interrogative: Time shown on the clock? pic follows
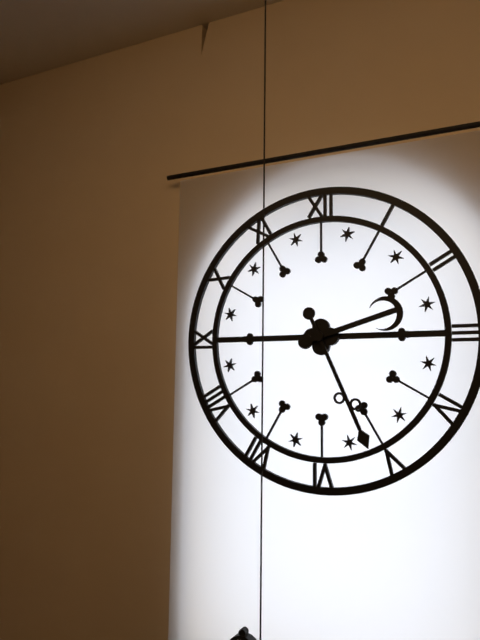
2:26
